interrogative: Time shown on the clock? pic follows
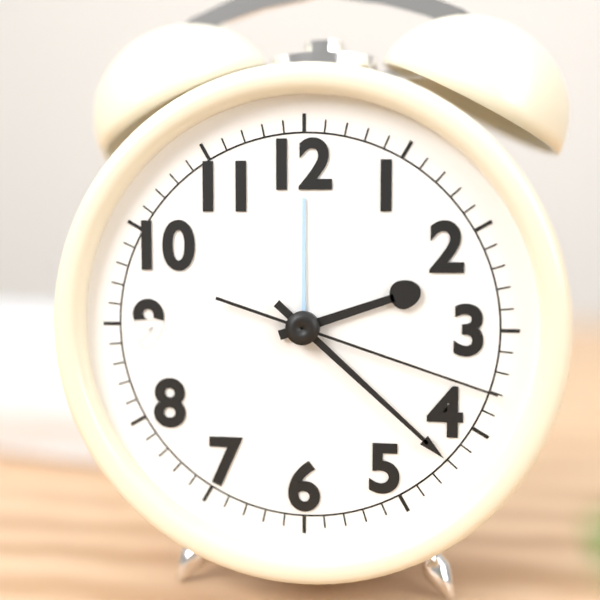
2:22:18
